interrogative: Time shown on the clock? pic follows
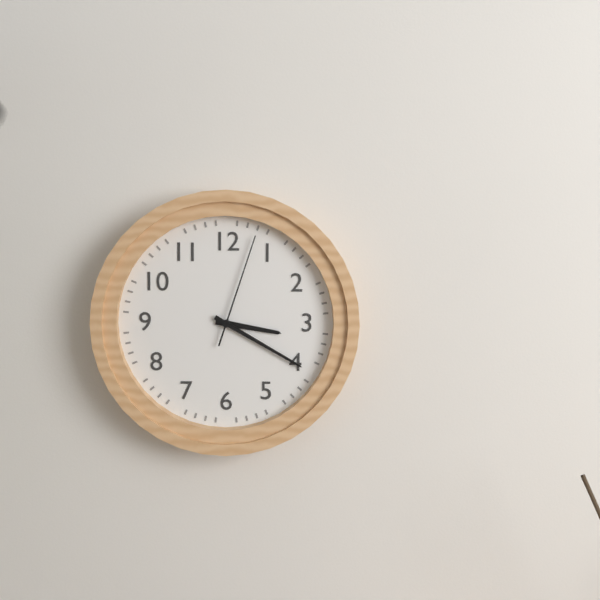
3:20:03
